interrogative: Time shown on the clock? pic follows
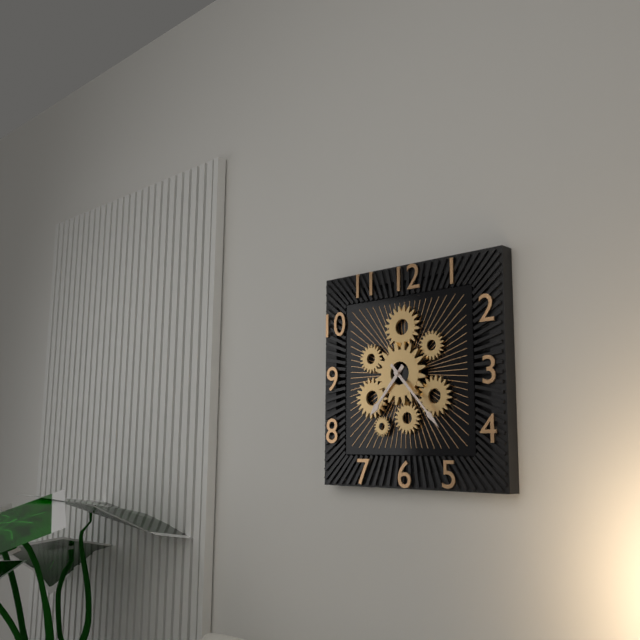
7:23
